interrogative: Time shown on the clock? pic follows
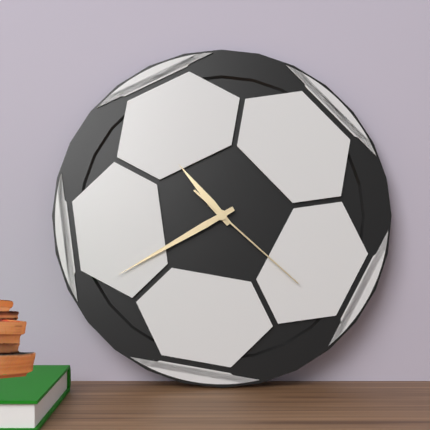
10:40:22
